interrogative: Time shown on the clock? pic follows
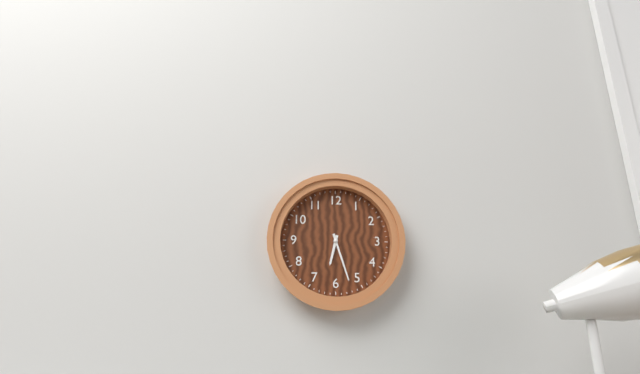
6:27
